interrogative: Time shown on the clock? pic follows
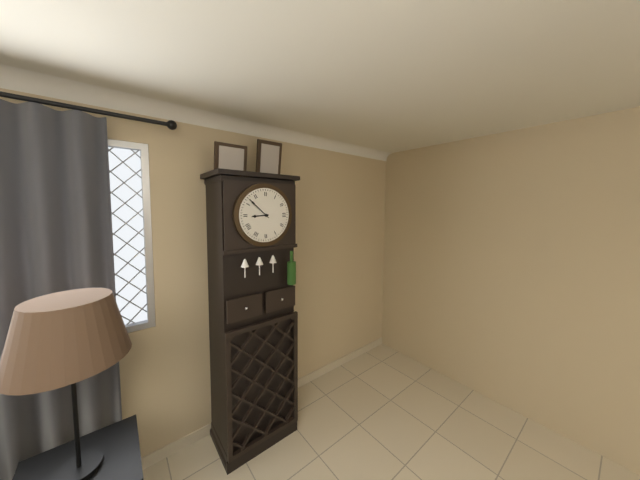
8:52
